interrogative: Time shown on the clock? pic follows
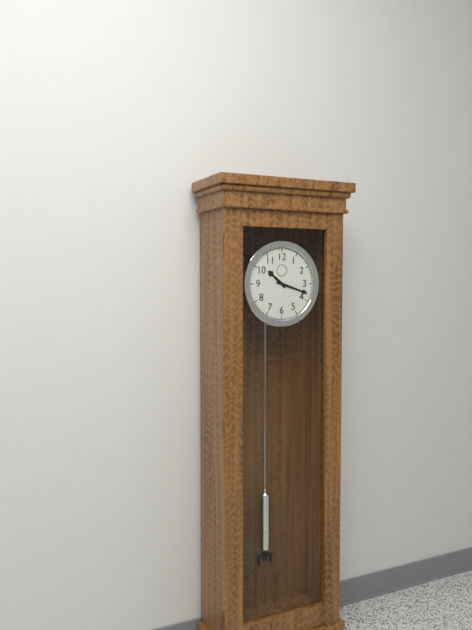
10:18
